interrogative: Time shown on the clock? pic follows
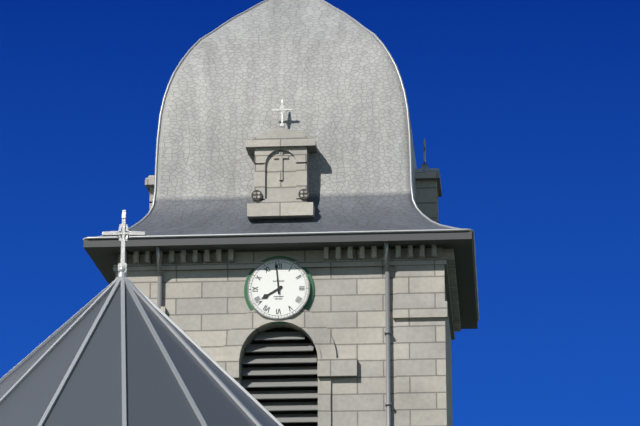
7:59
